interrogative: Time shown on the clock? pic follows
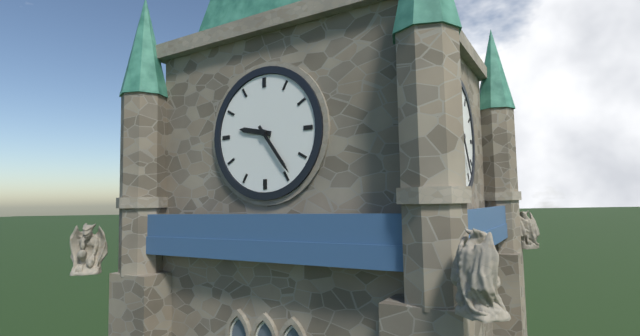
9:24
